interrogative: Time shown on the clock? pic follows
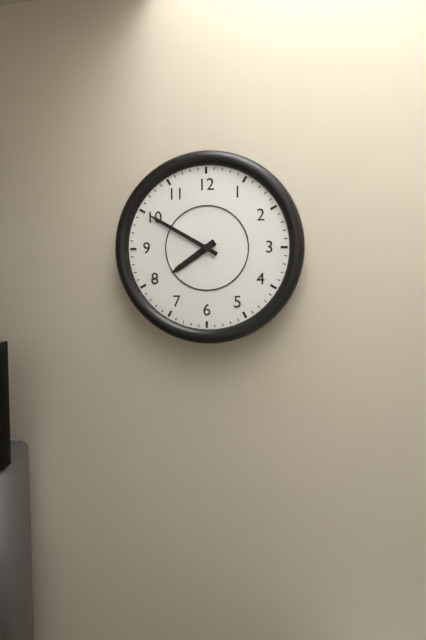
7:50
